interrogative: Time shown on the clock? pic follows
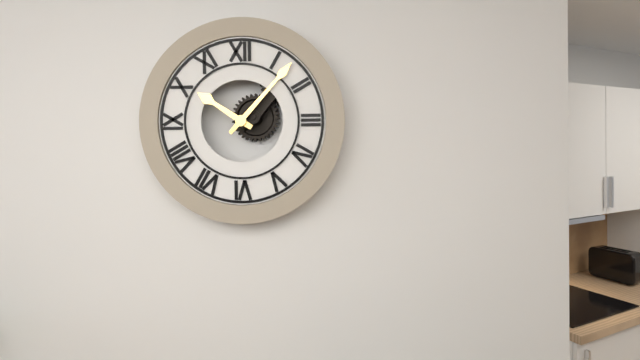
10:07
